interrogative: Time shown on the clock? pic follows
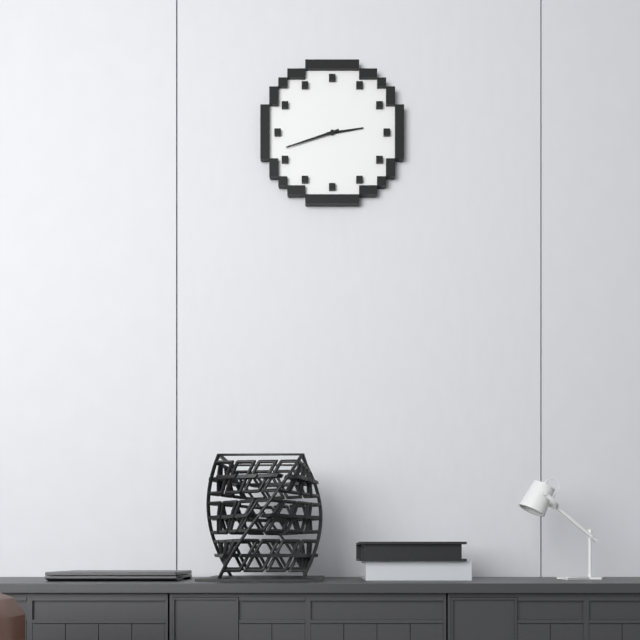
2:42
